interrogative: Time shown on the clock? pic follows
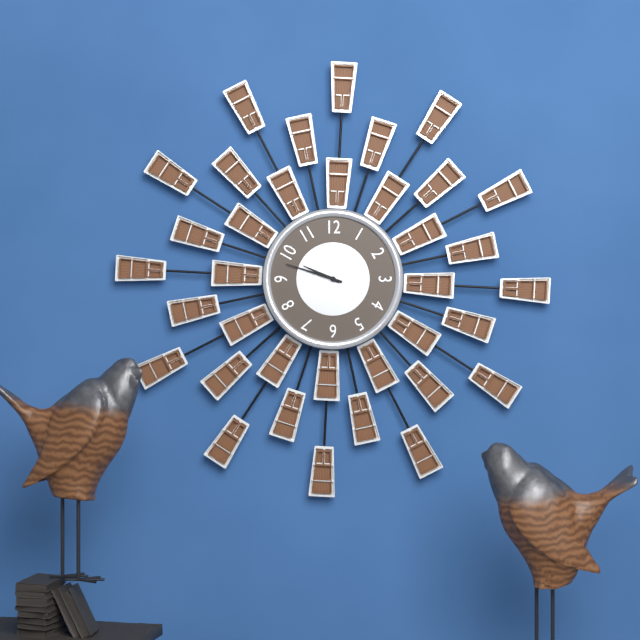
9:48
